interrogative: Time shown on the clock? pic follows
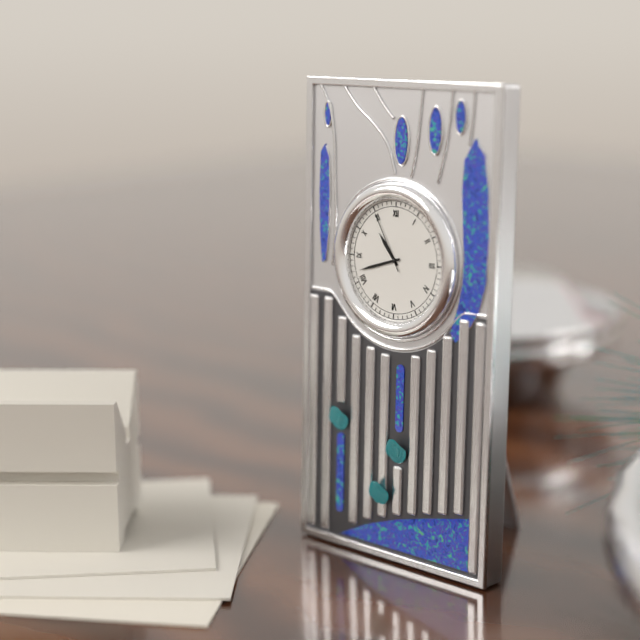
10:42:55
